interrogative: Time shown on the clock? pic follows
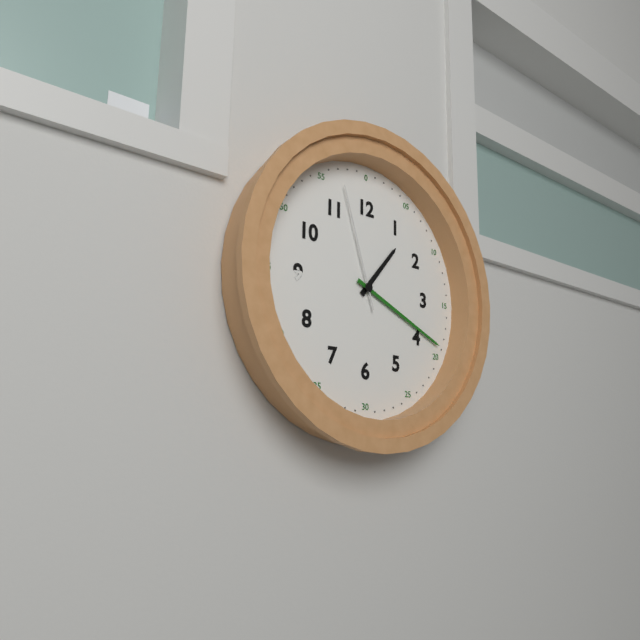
1:19:57
